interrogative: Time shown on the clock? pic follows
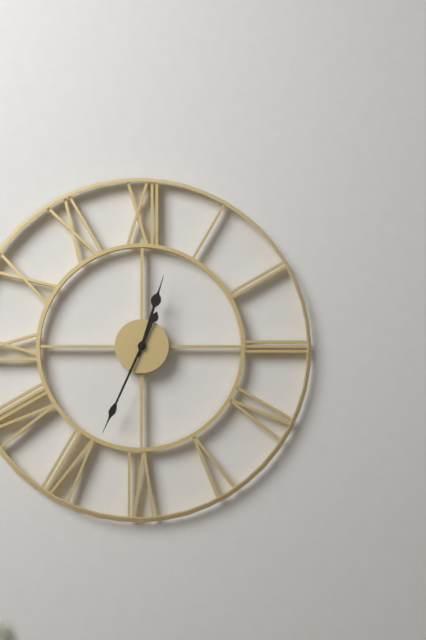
12:34
